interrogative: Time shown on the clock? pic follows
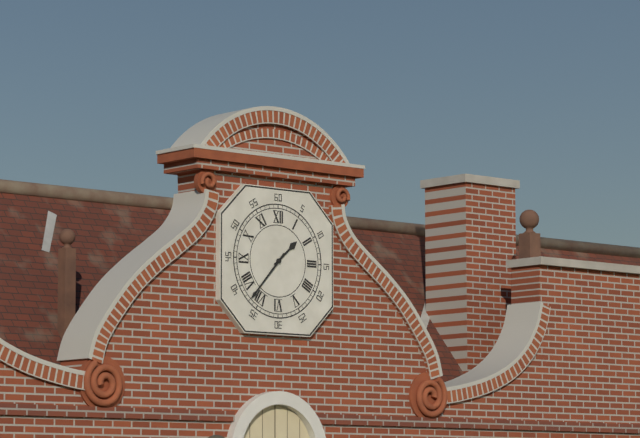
1:37
